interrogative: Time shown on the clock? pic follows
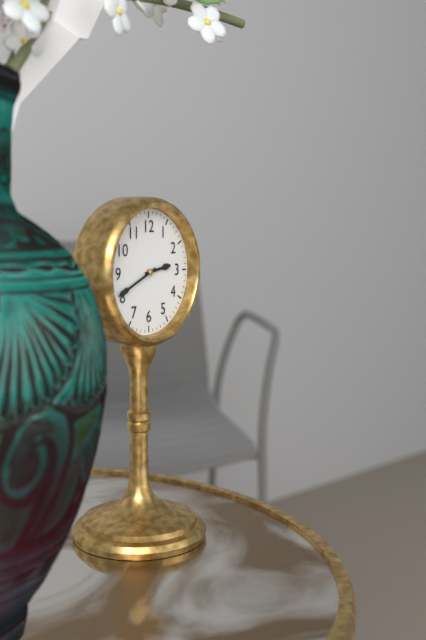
2:41
